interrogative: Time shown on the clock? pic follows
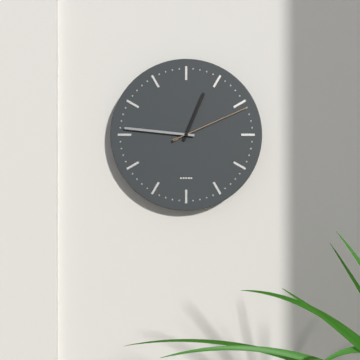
12:46:11
